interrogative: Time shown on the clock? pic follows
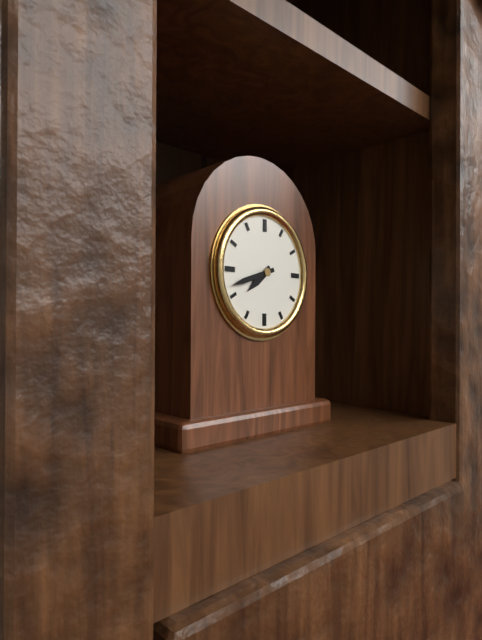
7:42
